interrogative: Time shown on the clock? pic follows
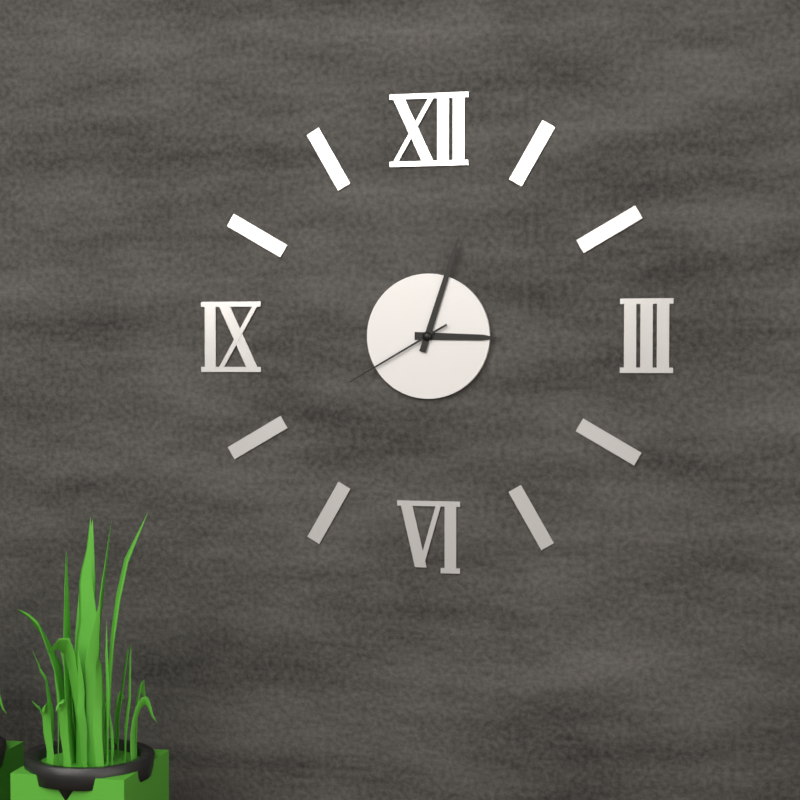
3:03:40
